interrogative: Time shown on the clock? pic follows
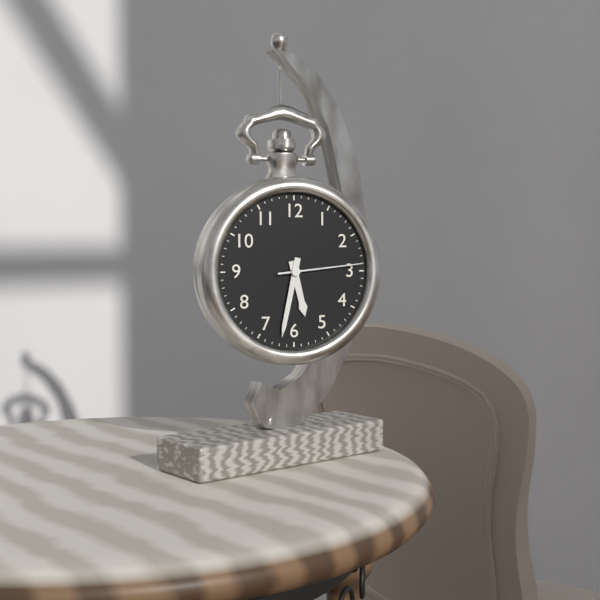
5:32:14
